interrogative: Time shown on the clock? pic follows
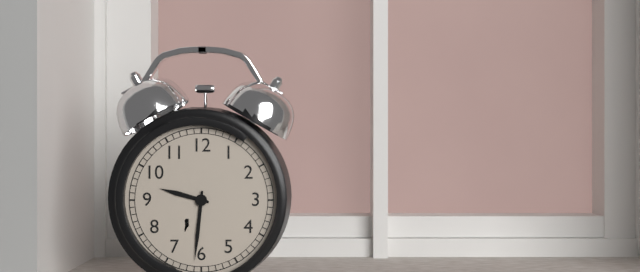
9:31
